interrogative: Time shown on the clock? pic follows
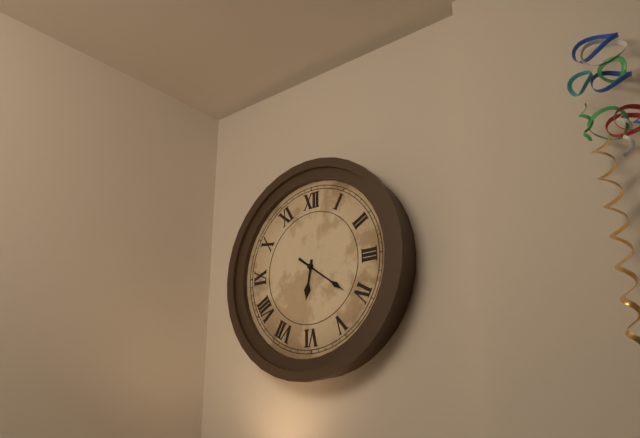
6:21
